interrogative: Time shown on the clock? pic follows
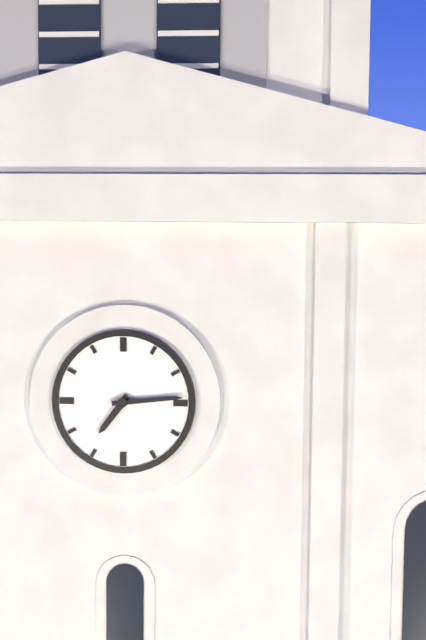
7:14
